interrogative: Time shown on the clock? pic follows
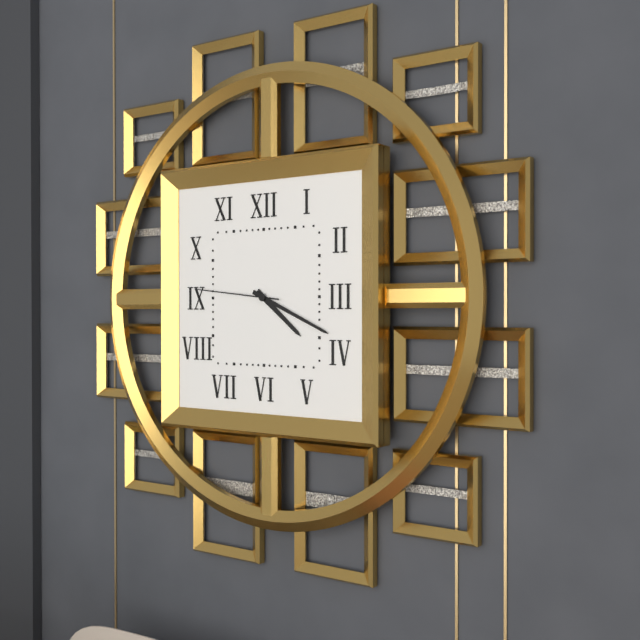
4:19:46
